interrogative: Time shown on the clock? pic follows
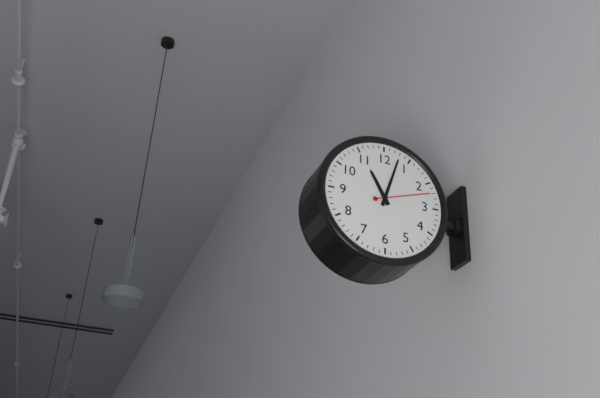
11:03:12
